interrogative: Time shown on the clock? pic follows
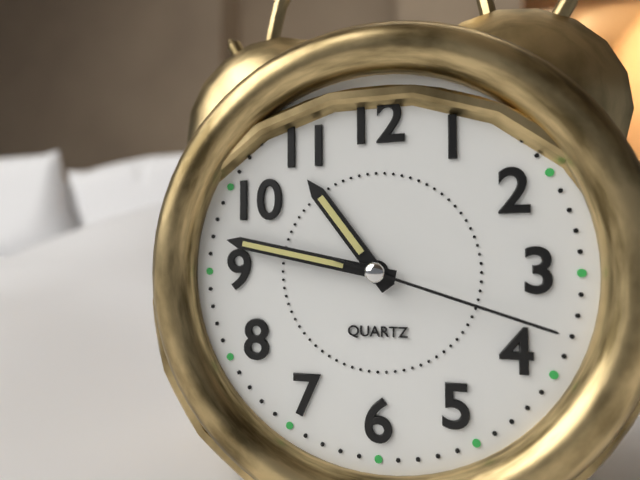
10:47:18
